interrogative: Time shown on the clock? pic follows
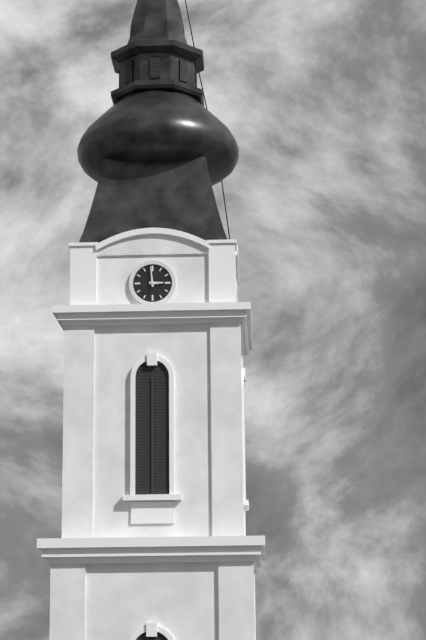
2:59
